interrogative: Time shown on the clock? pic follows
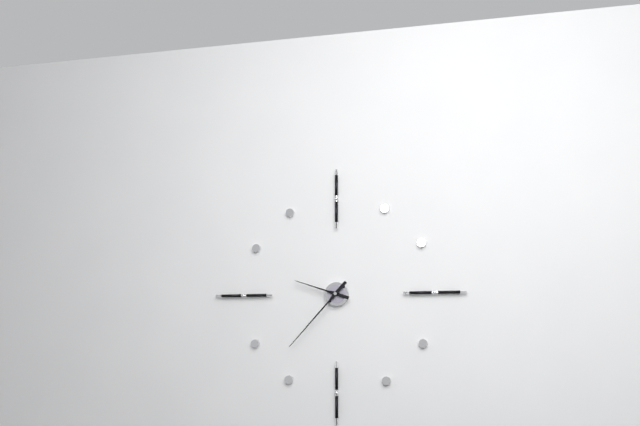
9:37
